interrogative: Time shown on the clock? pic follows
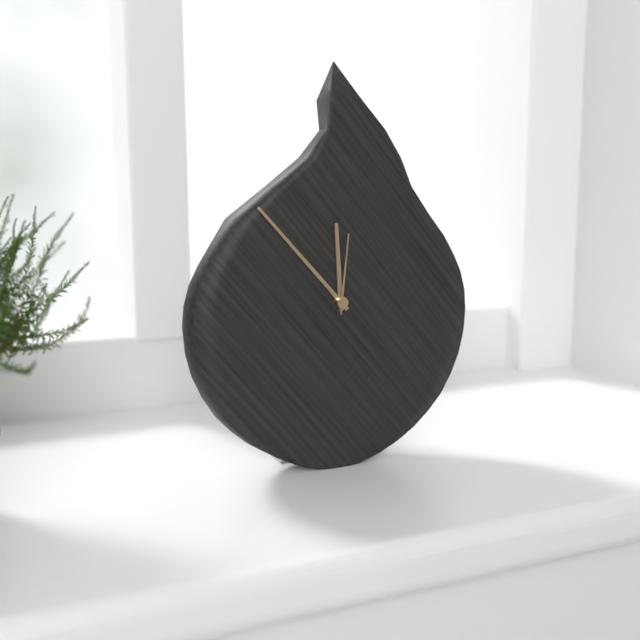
11:53:01
